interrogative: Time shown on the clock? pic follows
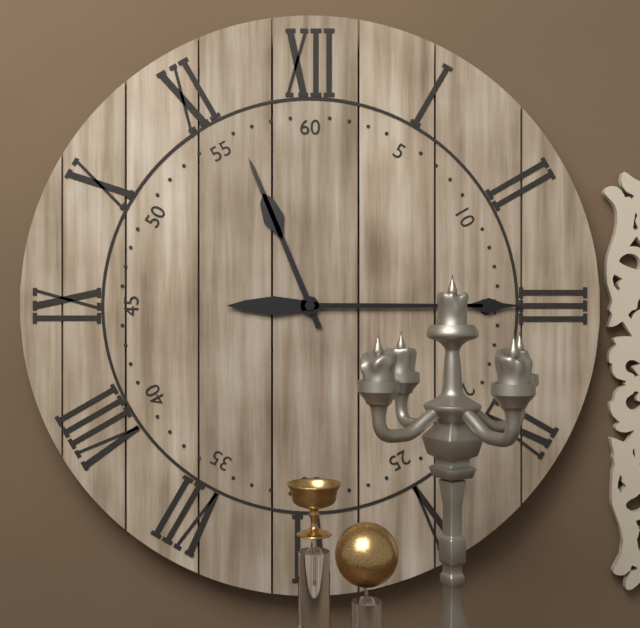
11:15
